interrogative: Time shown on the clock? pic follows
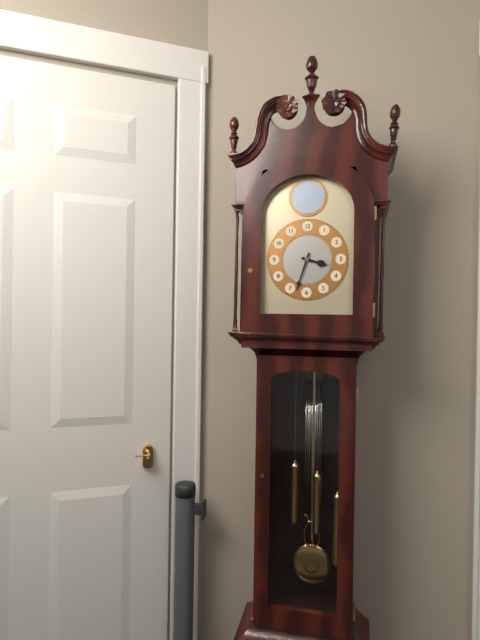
3:33
